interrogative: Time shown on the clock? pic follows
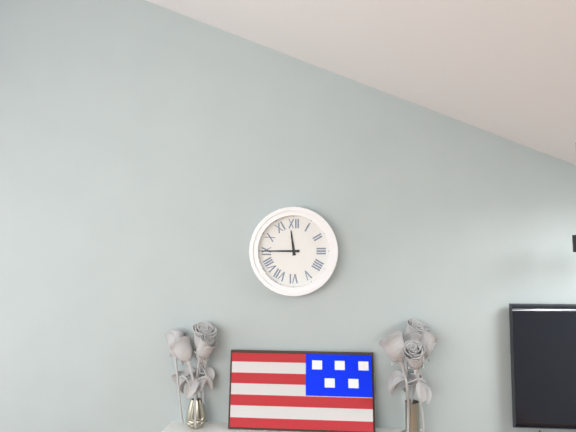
11:45
